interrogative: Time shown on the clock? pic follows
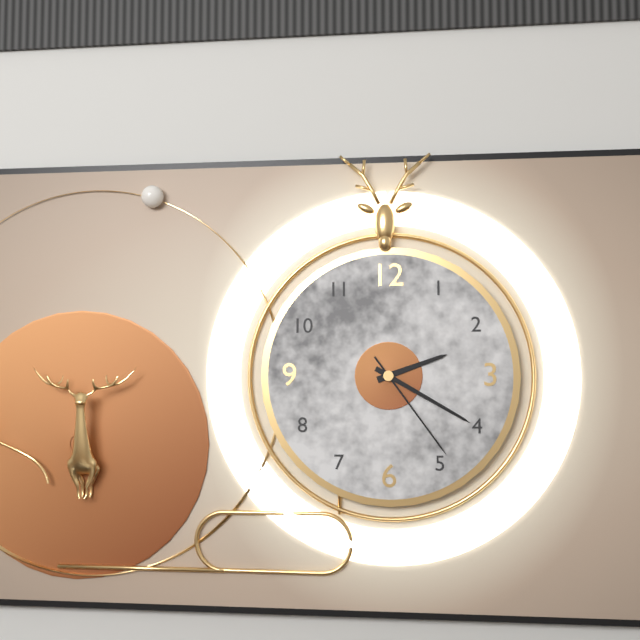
2:20:24
